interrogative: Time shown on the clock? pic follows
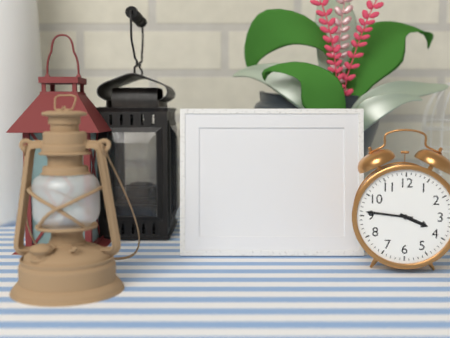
3:46
